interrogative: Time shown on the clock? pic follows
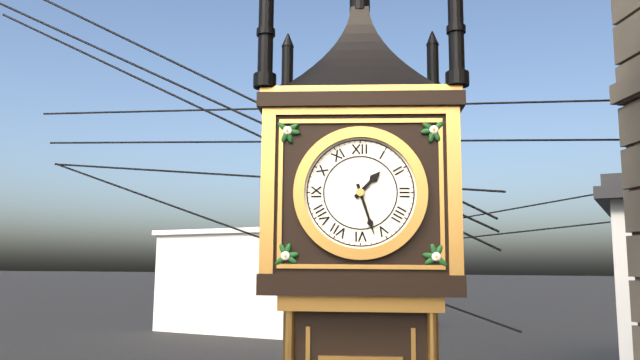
1:27
